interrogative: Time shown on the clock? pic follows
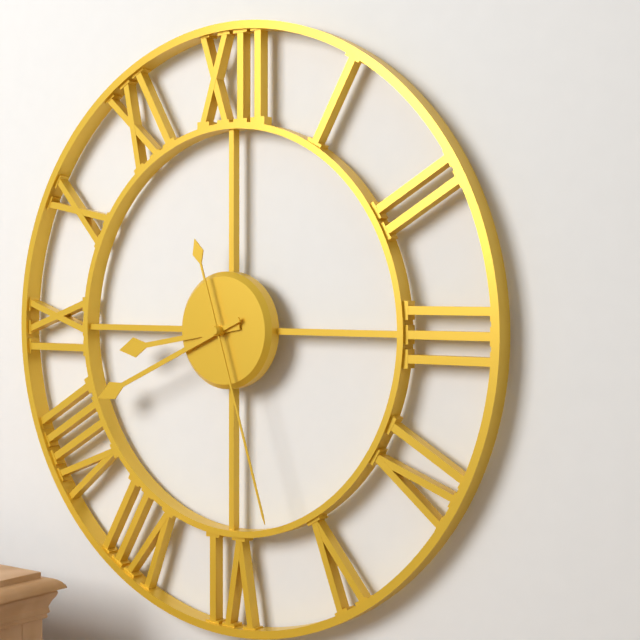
8:41:27
